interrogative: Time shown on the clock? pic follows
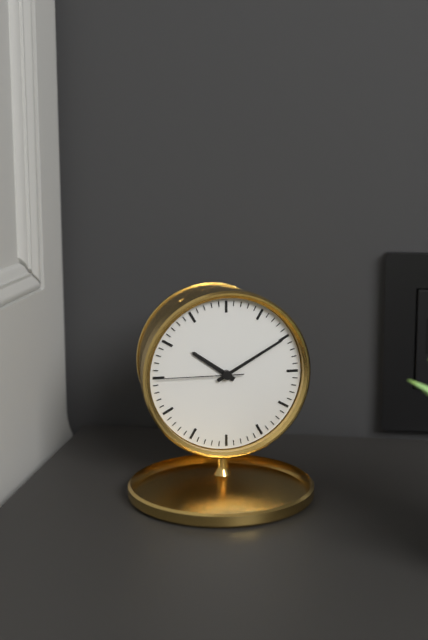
10:10:45
